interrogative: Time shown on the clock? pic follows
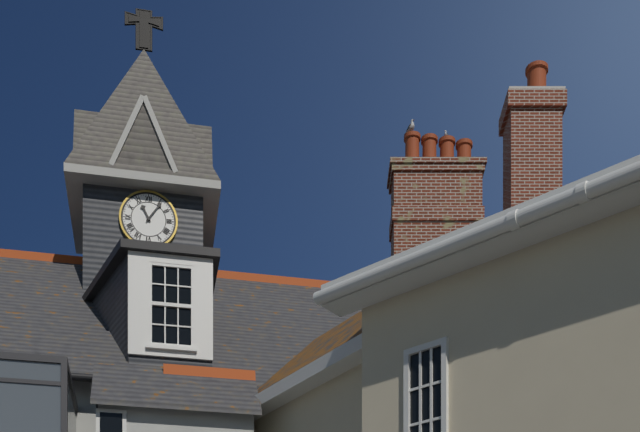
11:06
